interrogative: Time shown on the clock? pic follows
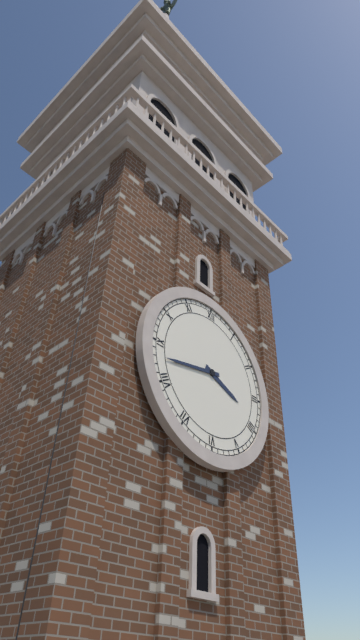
3:43
